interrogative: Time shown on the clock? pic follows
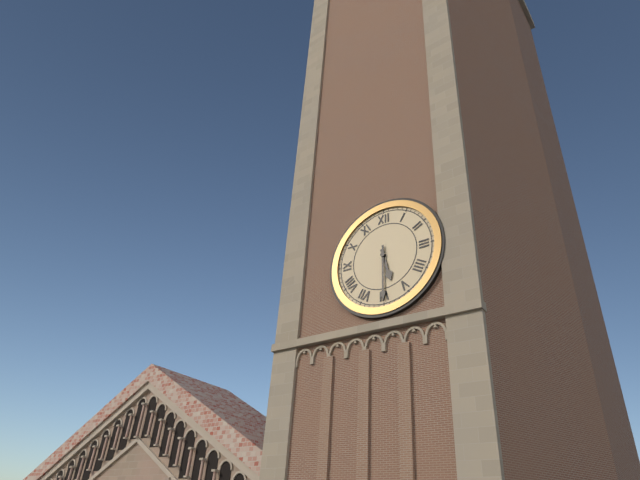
5:30
